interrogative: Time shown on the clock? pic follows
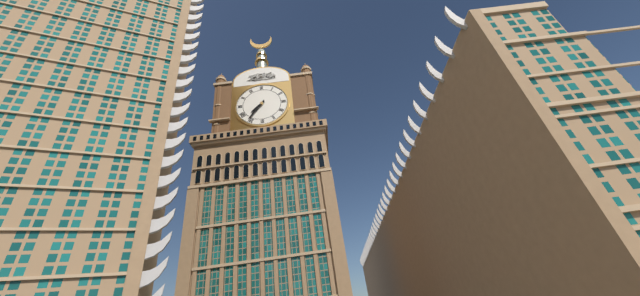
7:36
